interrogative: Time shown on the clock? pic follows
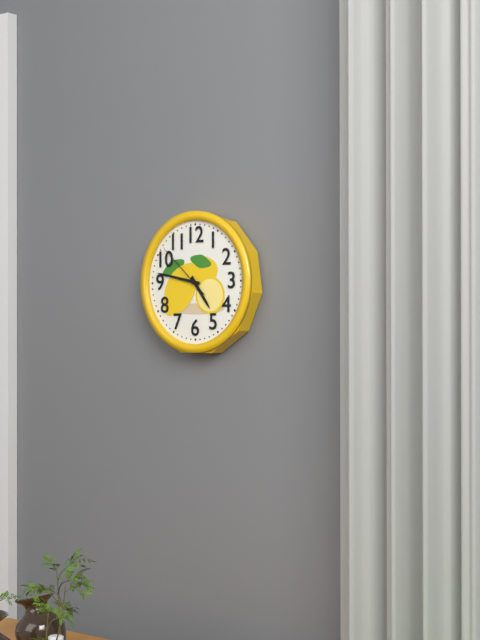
4:47:52
